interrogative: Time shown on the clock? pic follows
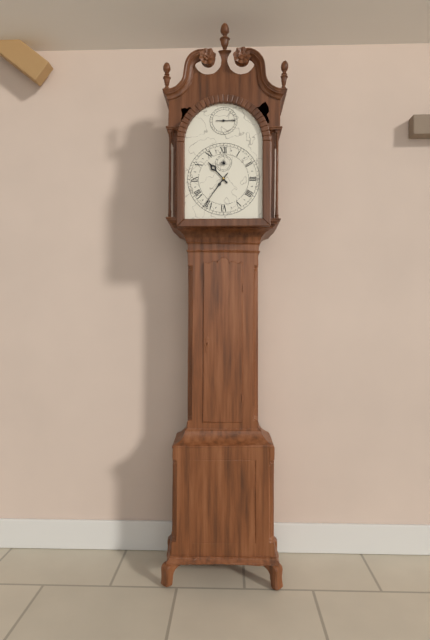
10:36
